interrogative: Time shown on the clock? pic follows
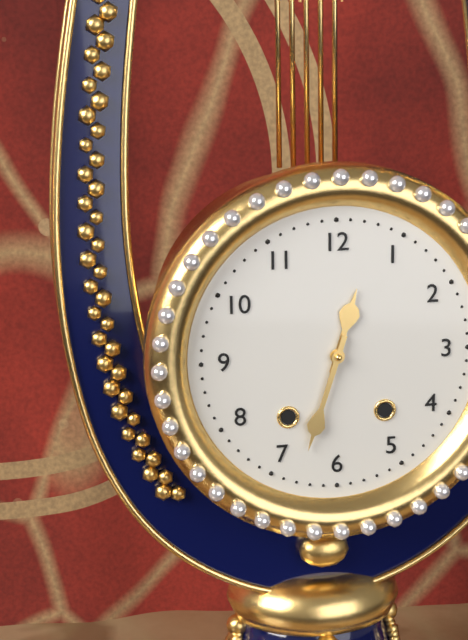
12:33
